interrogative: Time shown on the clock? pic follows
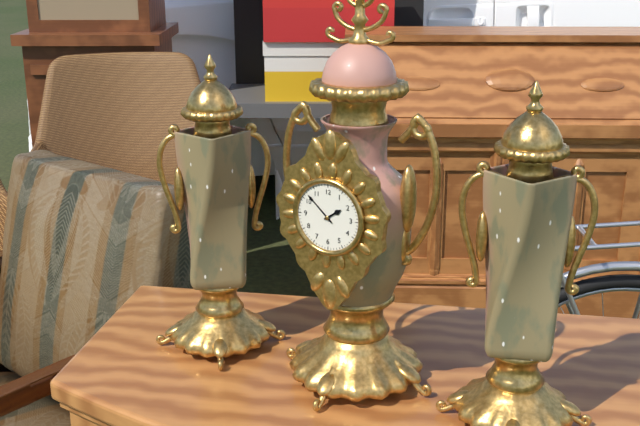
1:52
